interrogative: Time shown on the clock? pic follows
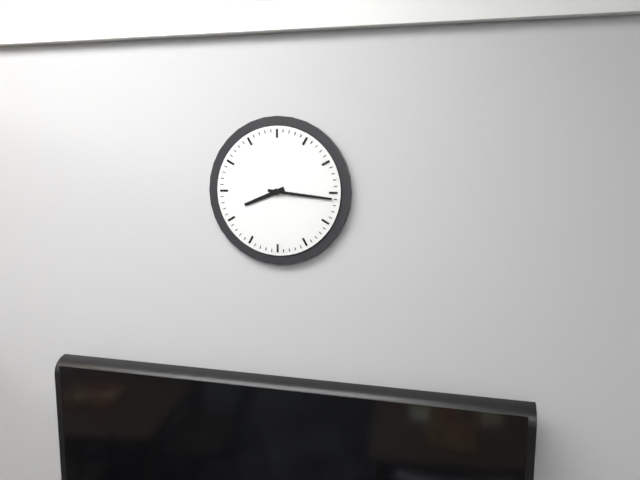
8:16
